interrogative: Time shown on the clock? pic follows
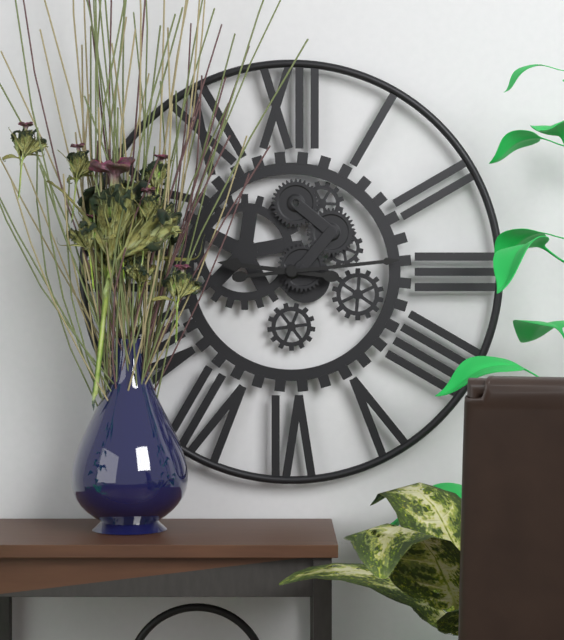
9:14
